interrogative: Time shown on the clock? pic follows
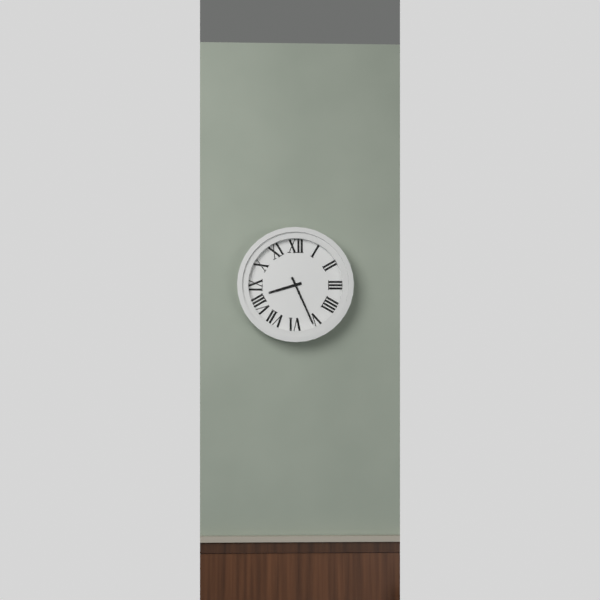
8:26
